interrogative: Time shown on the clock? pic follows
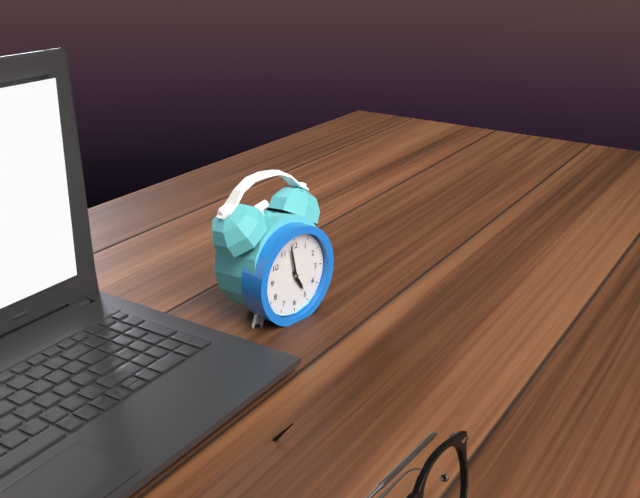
4:58
